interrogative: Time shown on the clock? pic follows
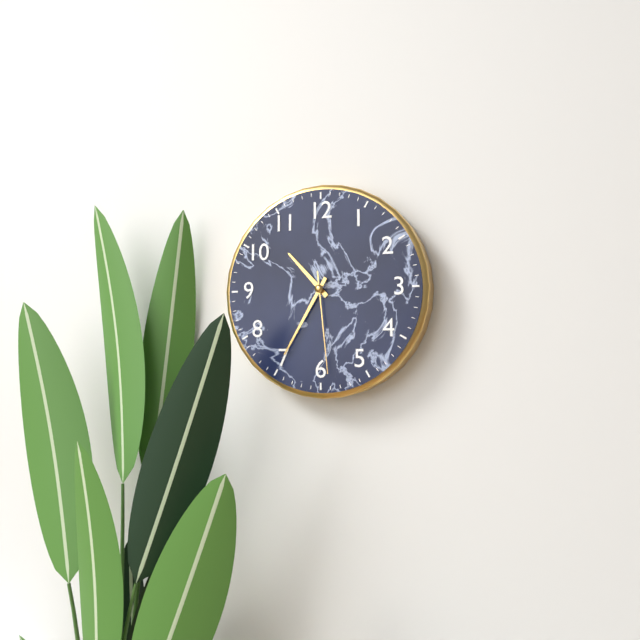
10:35:29
